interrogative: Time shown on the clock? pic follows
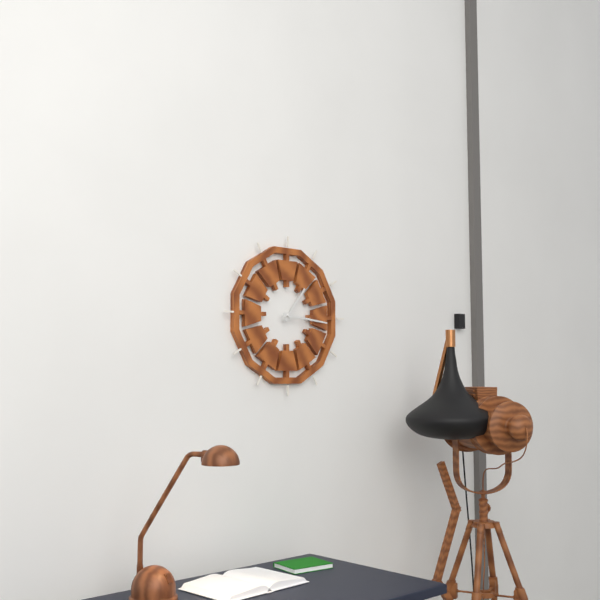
1:16
